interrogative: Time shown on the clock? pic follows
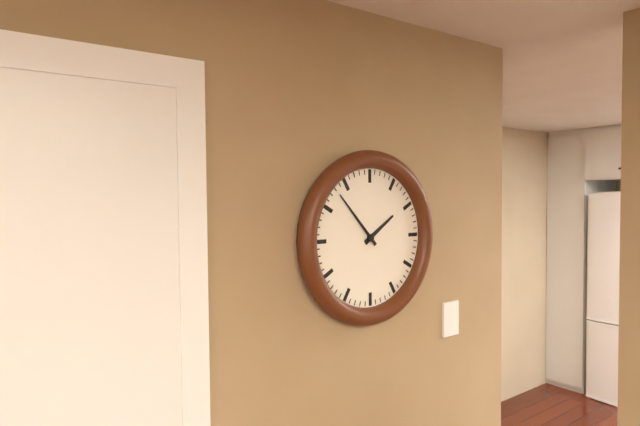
1:53
